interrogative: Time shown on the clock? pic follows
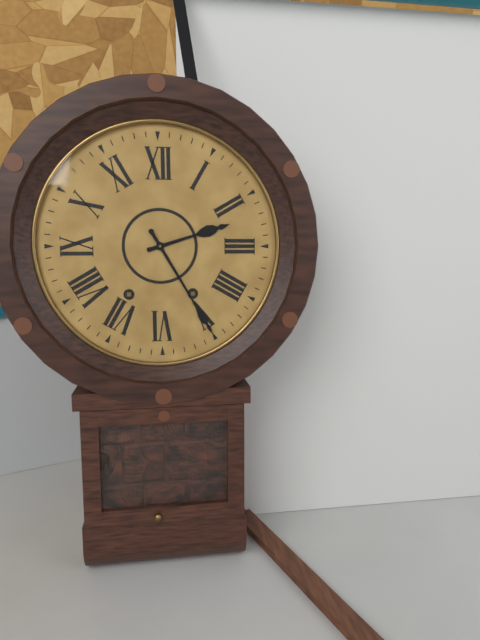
2:25
